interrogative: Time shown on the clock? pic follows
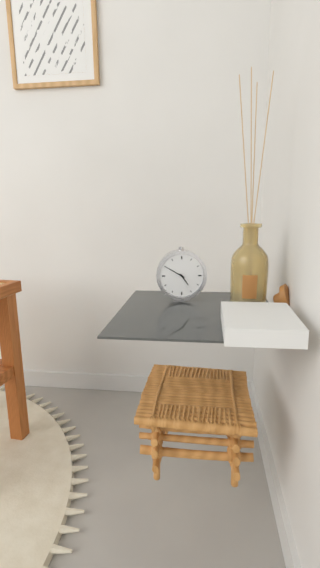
4:50
